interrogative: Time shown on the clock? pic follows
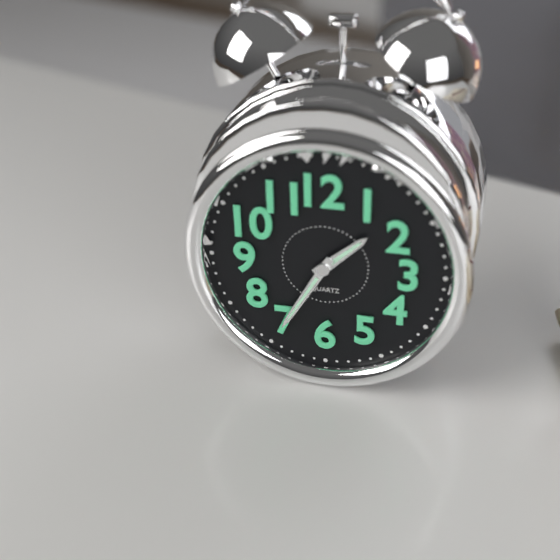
1:35
